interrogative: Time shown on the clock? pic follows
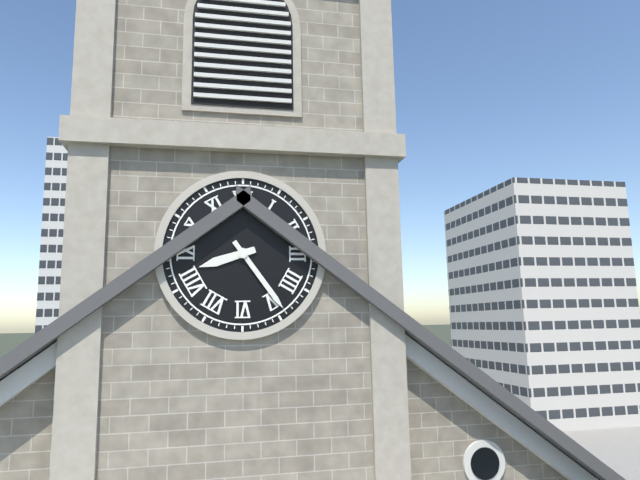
8:24
